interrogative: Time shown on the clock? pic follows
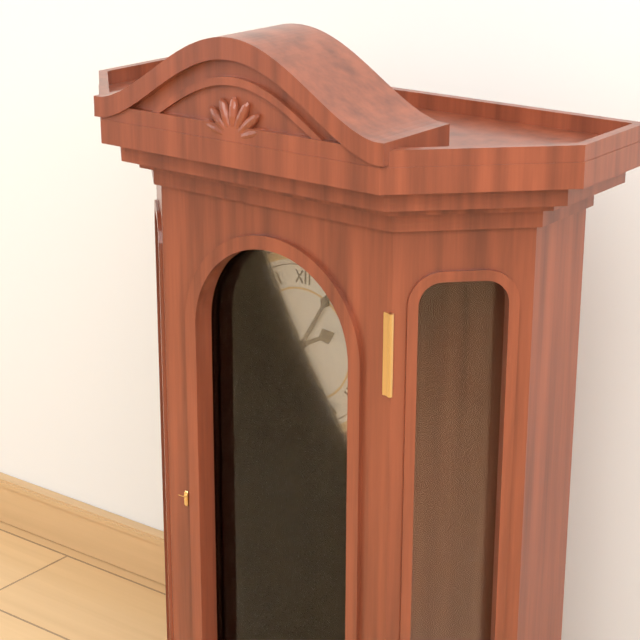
2:05
